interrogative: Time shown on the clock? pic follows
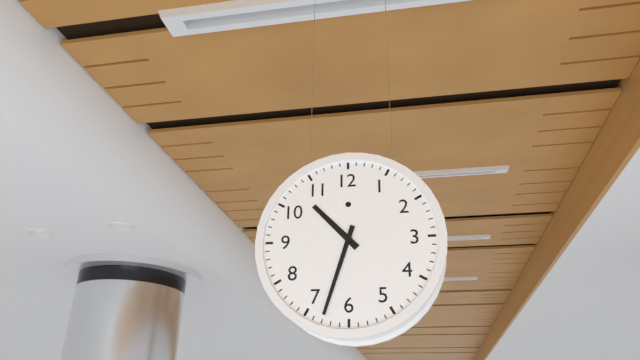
10:33
